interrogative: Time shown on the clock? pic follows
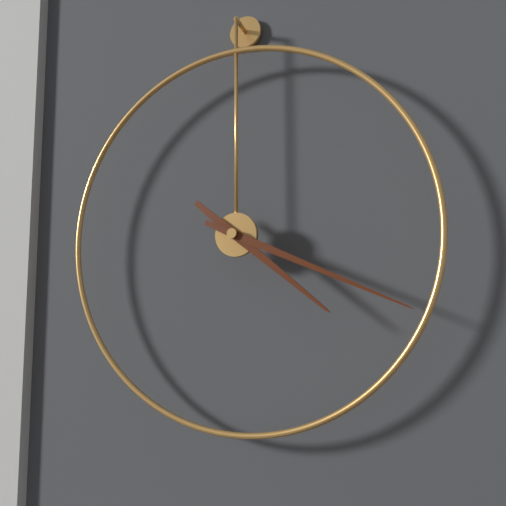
4:19
